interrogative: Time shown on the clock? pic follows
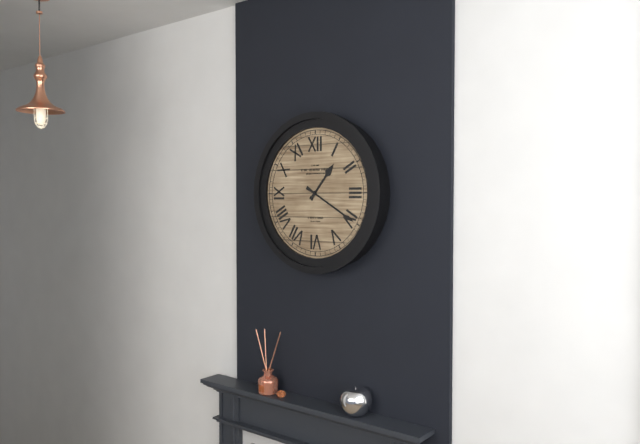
1:20
